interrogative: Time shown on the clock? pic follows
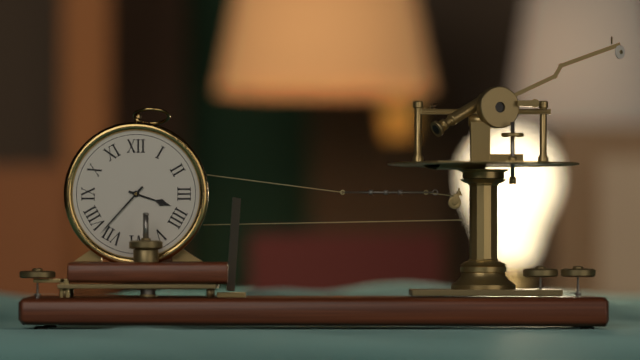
3:37
